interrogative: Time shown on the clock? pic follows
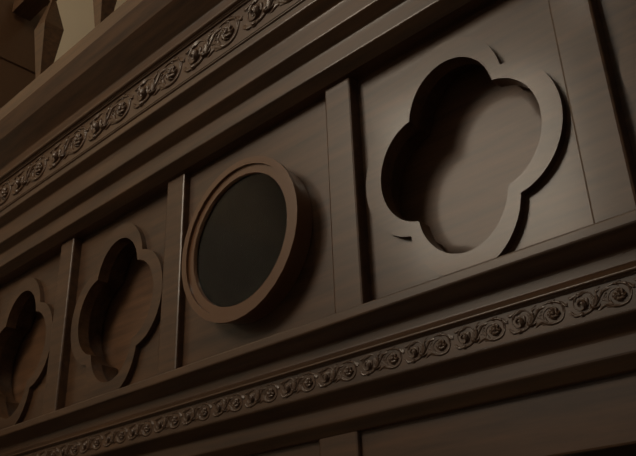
1:02
